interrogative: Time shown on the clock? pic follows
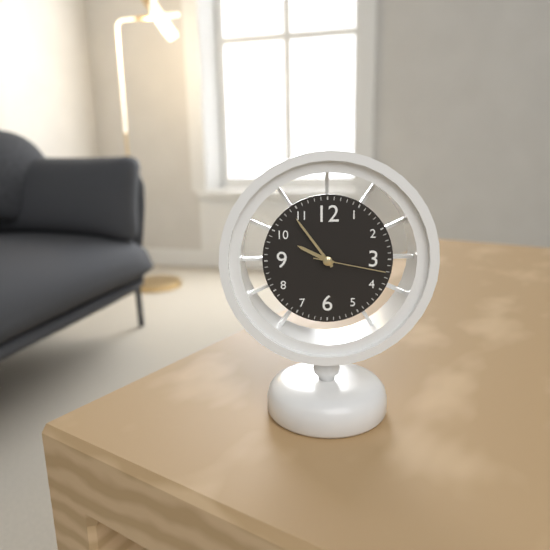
9:54:17
